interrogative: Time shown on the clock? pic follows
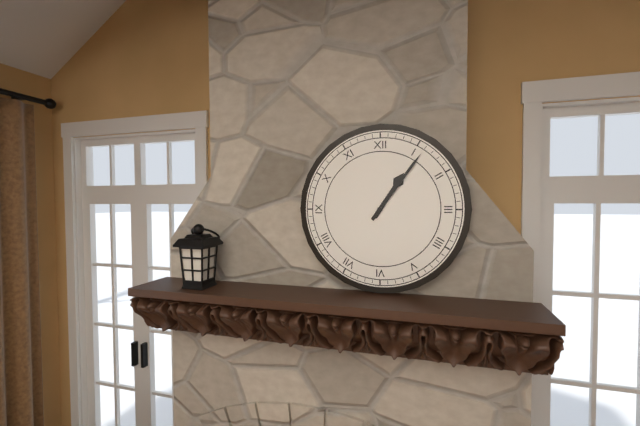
1:06
